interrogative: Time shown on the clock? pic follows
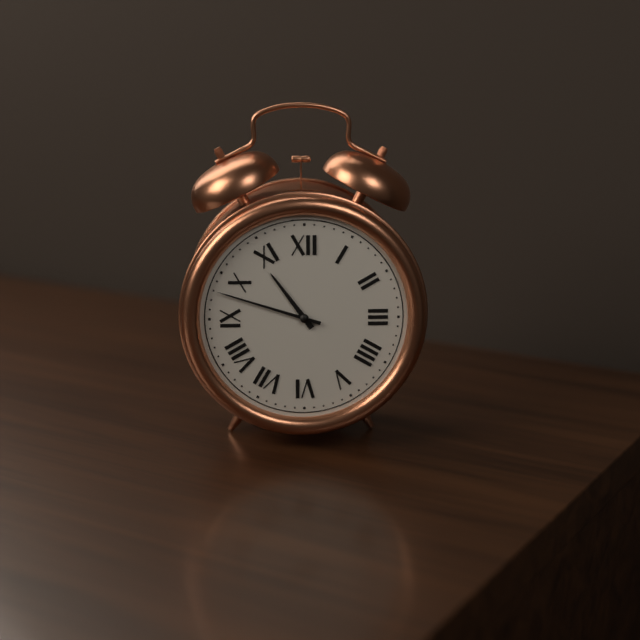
10:48
